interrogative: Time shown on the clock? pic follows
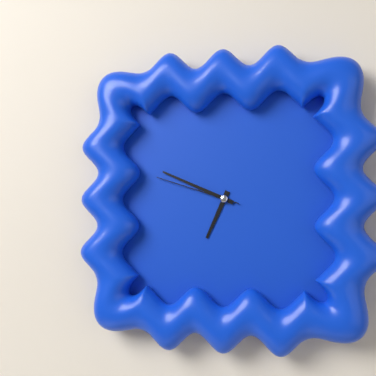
6:49:48
